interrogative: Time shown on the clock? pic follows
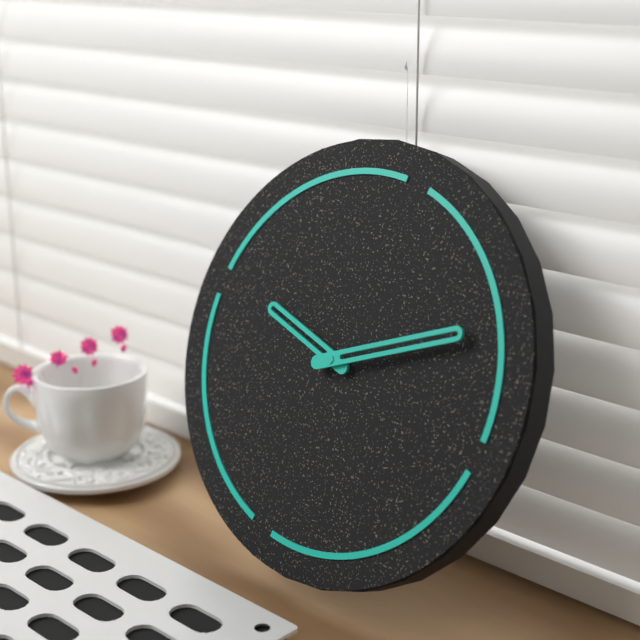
9:09
